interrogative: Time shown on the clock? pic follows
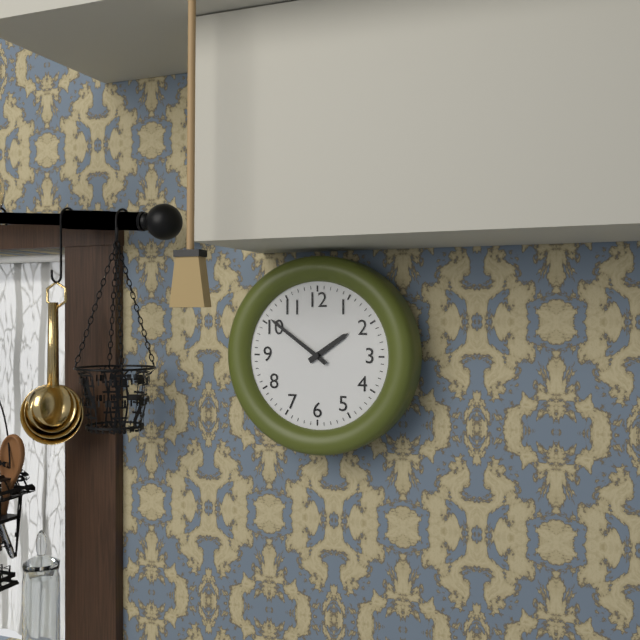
1:51
